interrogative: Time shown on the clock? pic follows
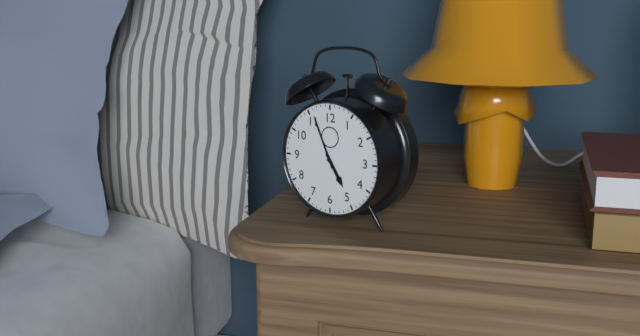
4:56
